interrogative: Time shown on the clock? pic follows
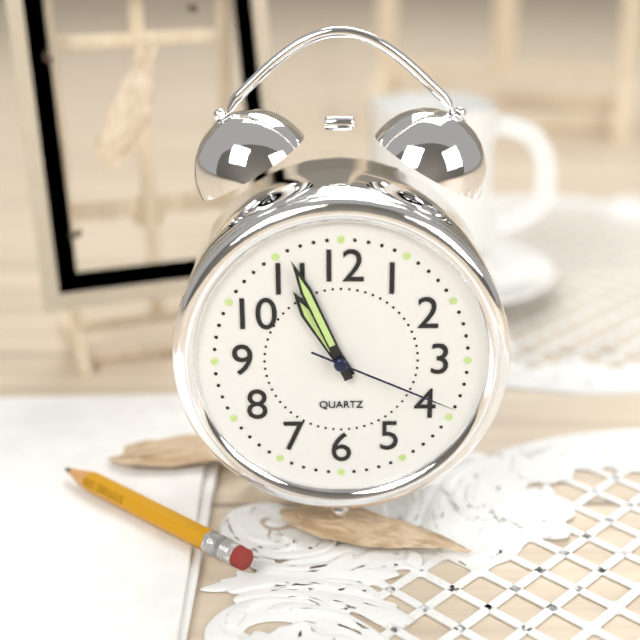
10:56:19
